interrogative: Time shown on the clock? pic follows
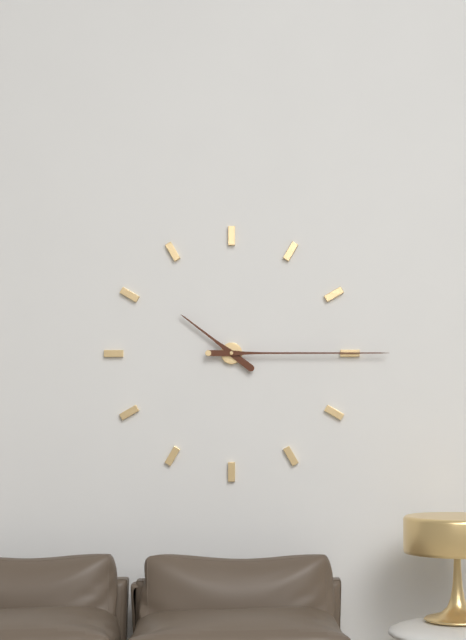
10:15
